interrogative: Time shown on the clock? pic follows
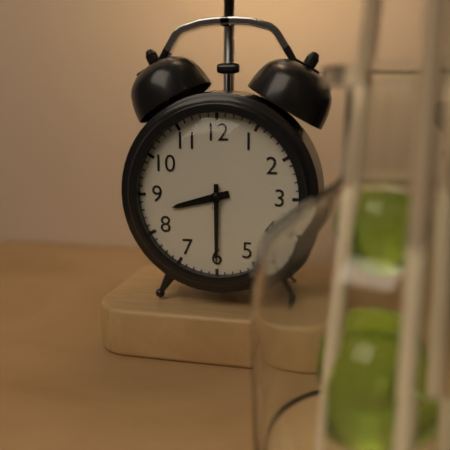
8:30
